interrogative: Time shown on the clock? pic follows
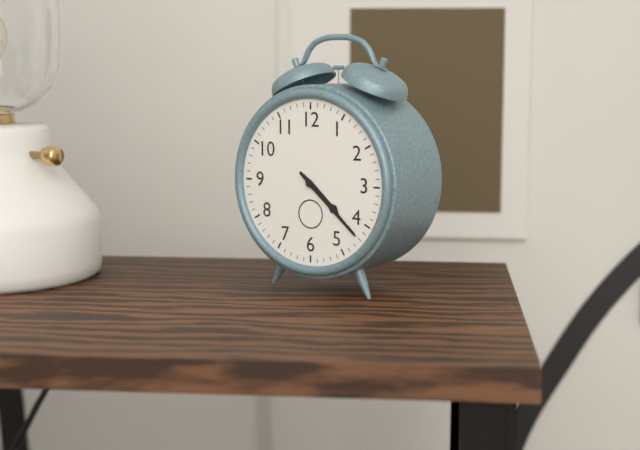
4:22
